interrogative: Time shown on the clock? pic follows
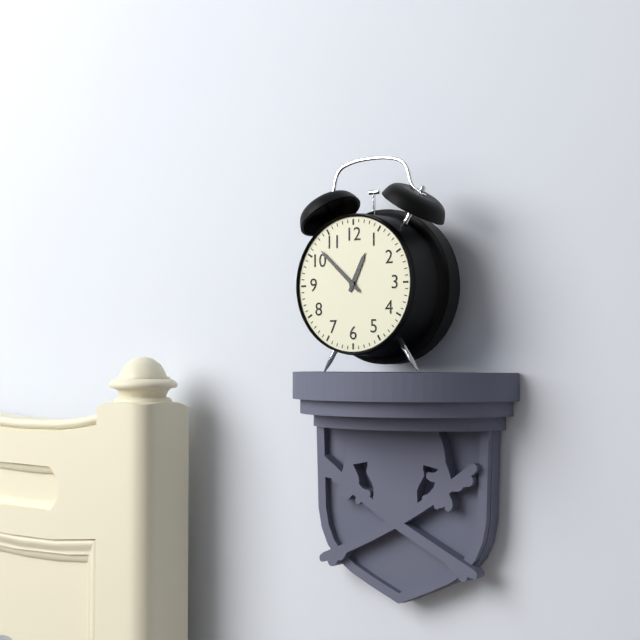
12:52
